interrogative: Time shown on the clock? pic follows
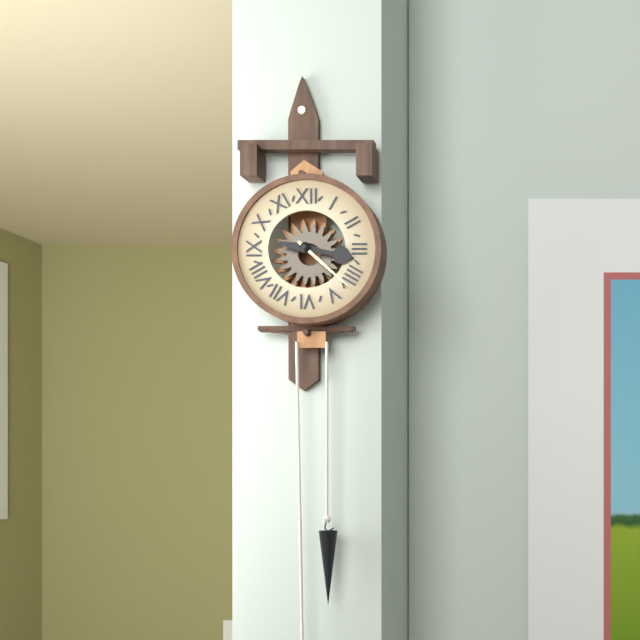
3:22
